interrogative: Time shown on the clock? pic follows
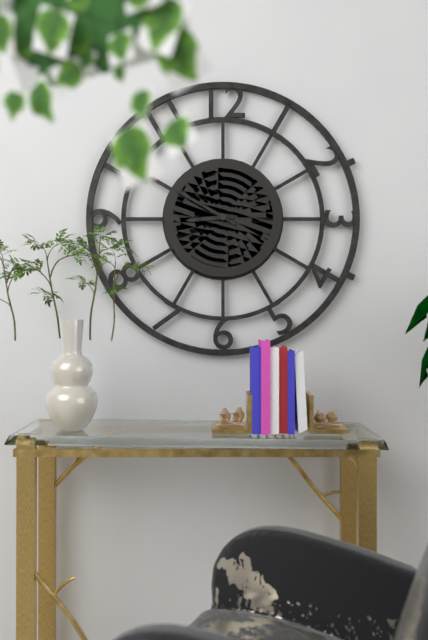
8:50
